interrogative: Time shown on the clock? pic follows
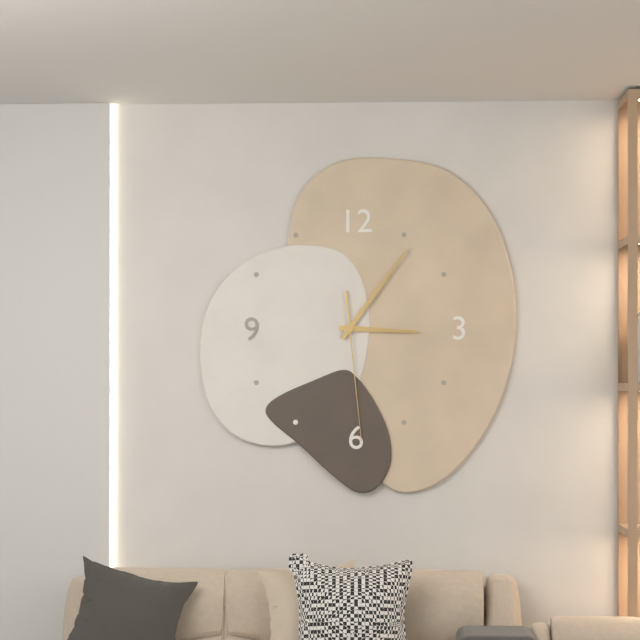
3:06:29
